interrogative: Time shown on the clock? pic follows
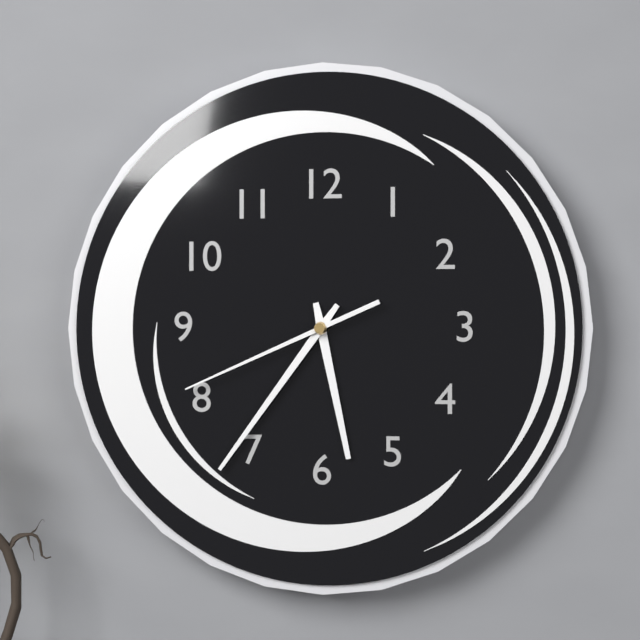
5:36:41
